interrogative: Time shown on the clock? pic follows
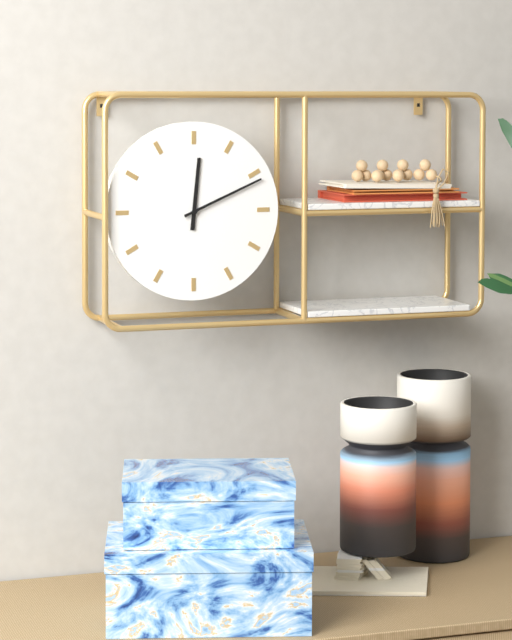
12:11
